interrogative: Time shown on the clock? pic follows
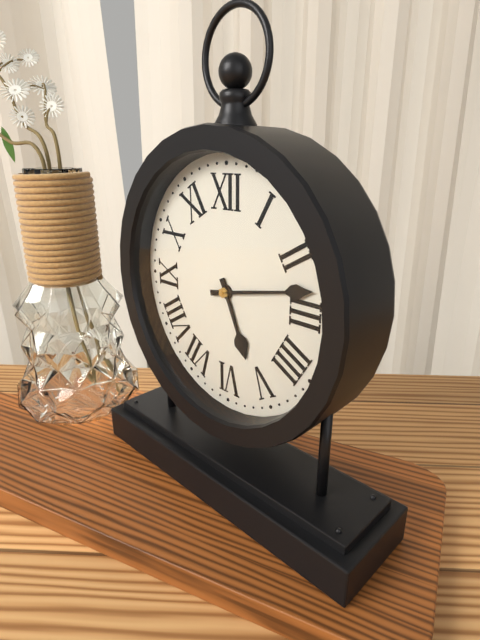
5:13
